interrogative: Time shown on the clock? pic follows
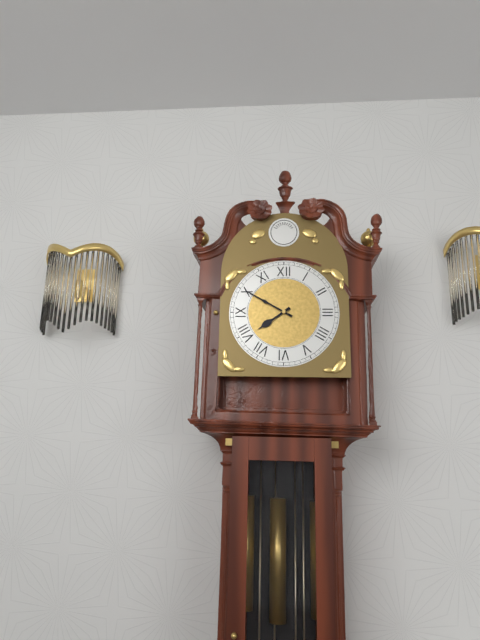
7:50
